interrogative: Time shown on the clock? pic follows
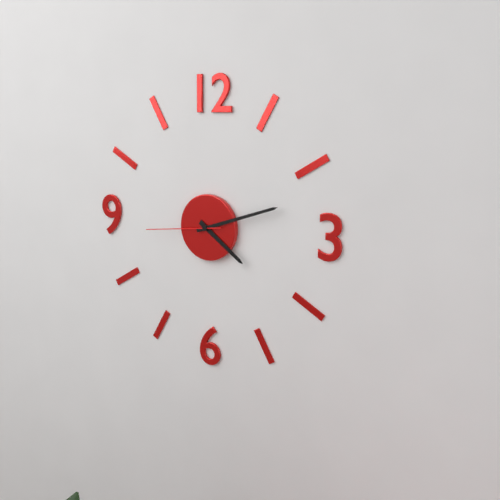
4:12:44
